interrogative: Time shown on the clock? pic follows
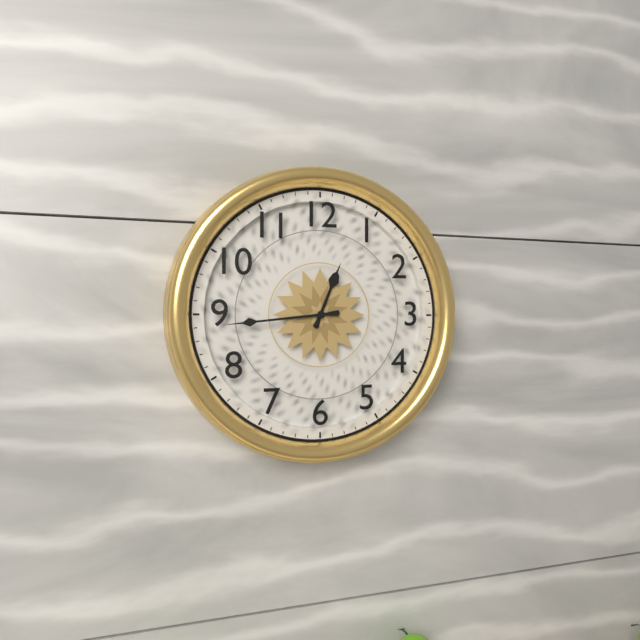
12:44
